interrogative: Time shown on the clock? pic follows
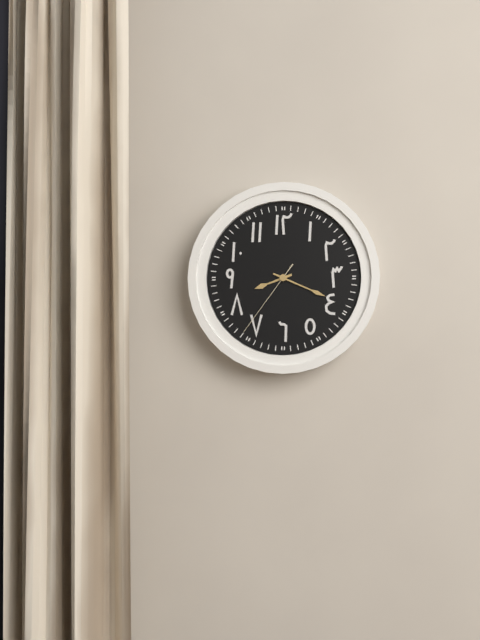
8:19:36
